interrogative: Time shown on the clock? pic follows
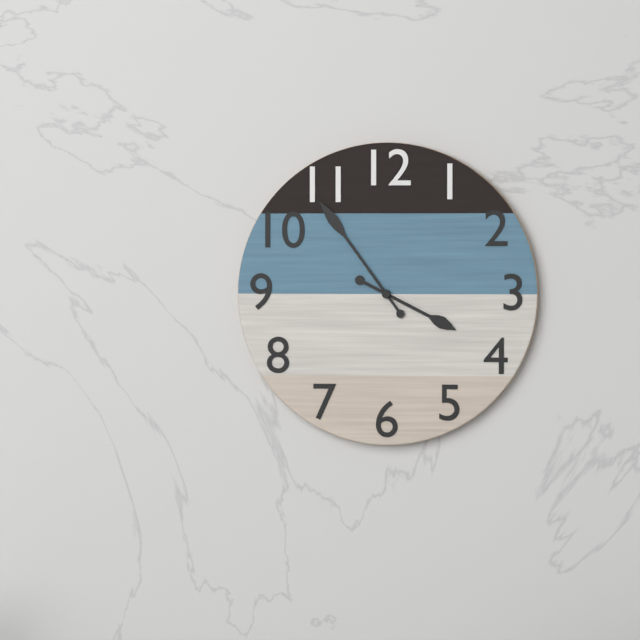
3:54
